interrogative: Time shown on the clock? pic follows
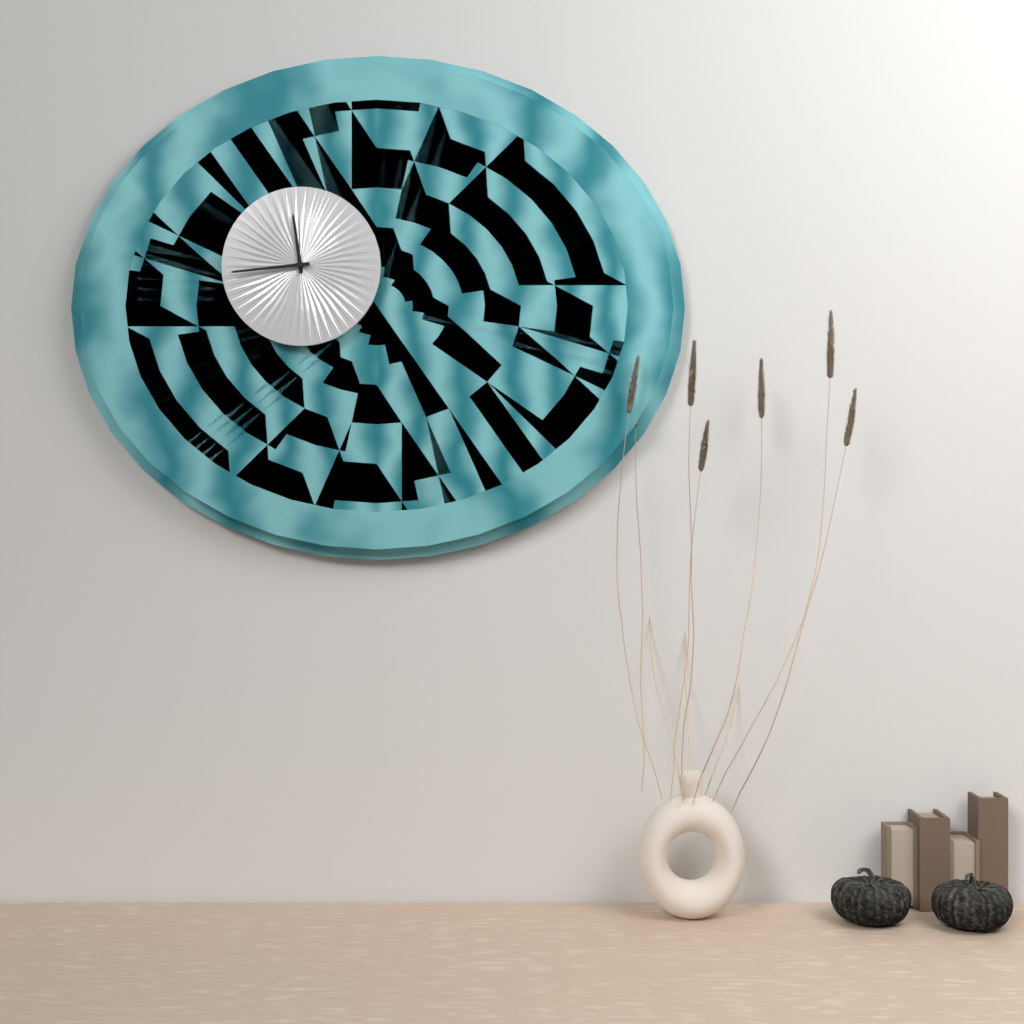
11:44
